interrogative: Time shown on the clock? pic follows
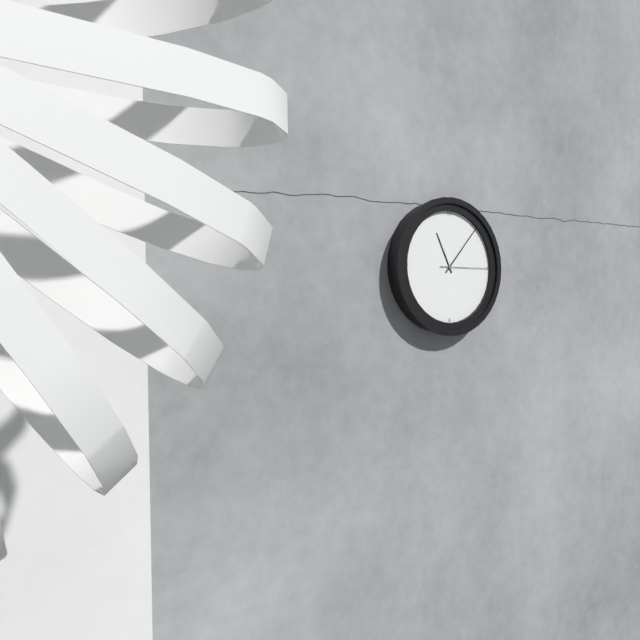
11:07
